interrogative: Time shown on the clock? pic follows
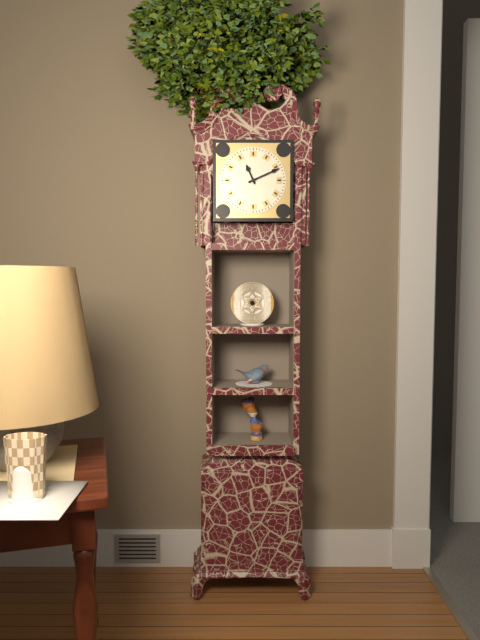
11:11
